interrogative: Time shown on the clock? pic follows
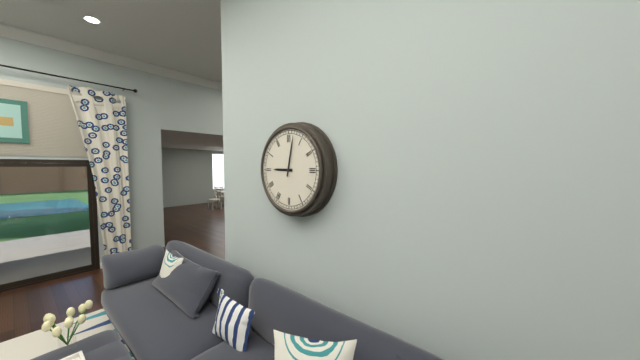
9:02
